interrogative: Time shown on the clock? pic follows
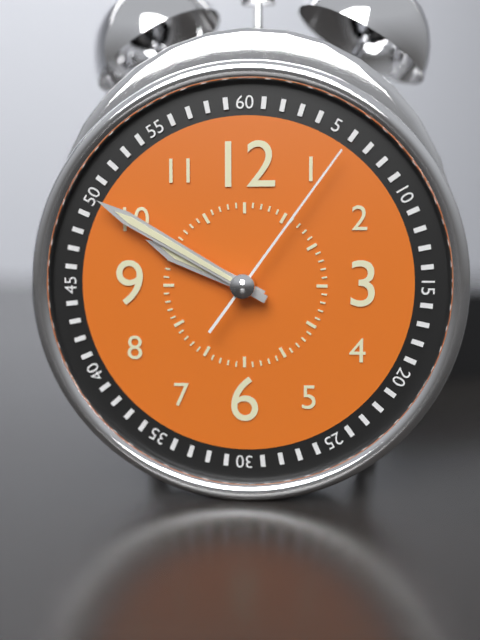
9:50:06
